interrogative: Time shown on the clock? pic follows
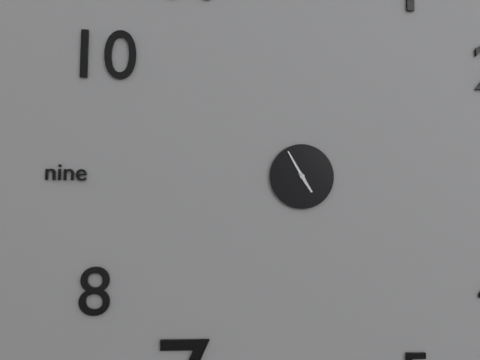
4:55
